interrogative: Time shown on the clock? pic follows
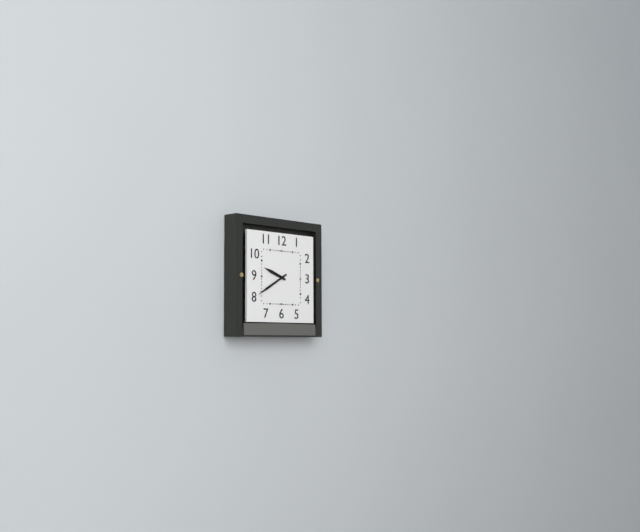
9:40
